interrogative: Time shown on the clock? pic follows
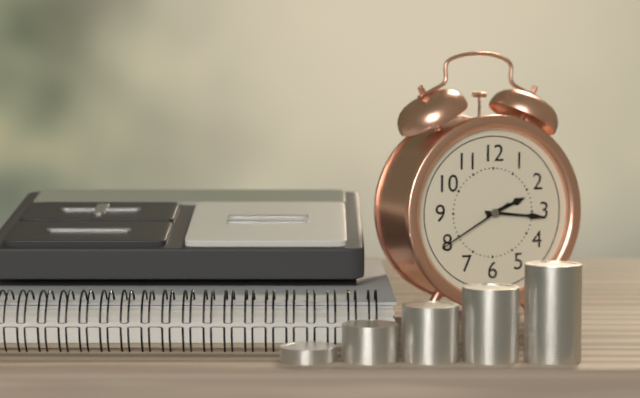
2:16:40
